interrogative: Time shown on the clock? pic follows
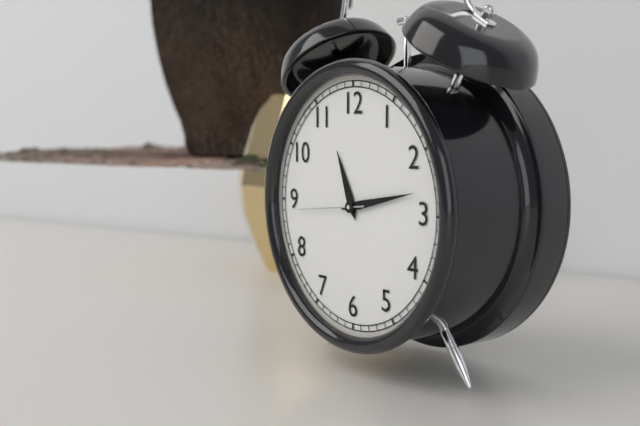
11:13:44
